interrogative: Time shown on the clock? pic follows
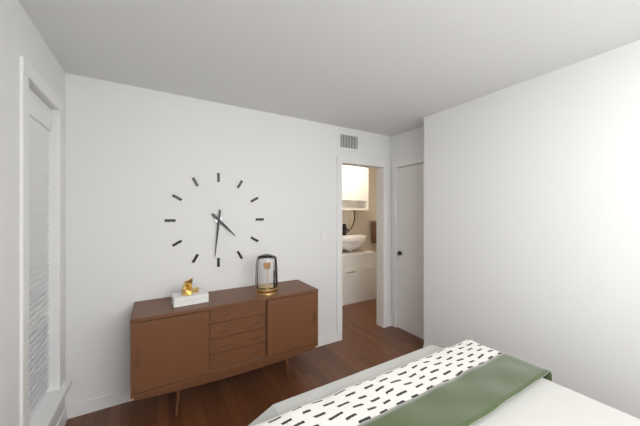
4:31
